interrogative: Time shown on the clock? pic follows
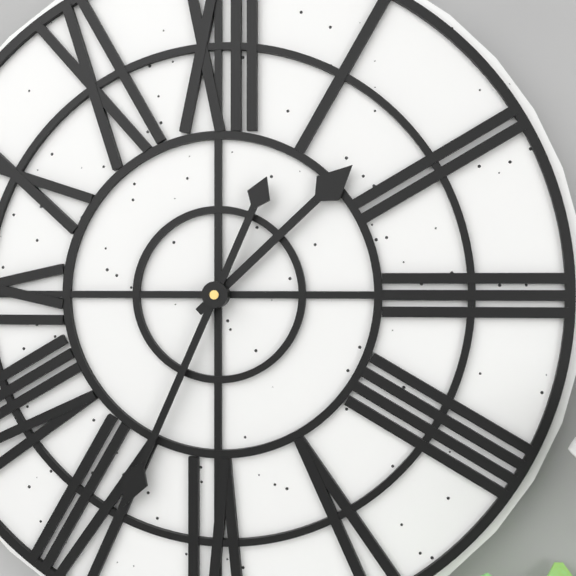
1:34
